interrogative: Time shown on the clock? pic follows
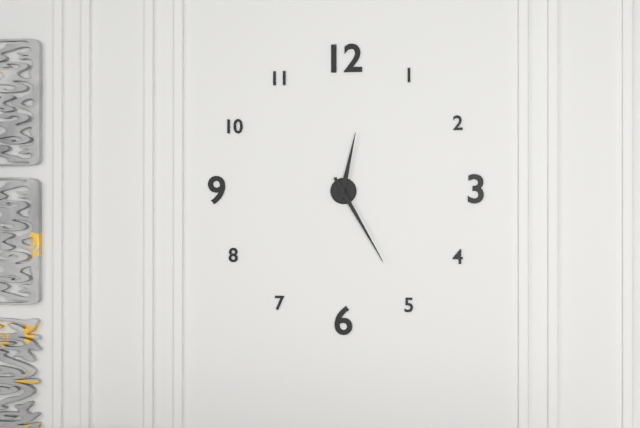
12:25
